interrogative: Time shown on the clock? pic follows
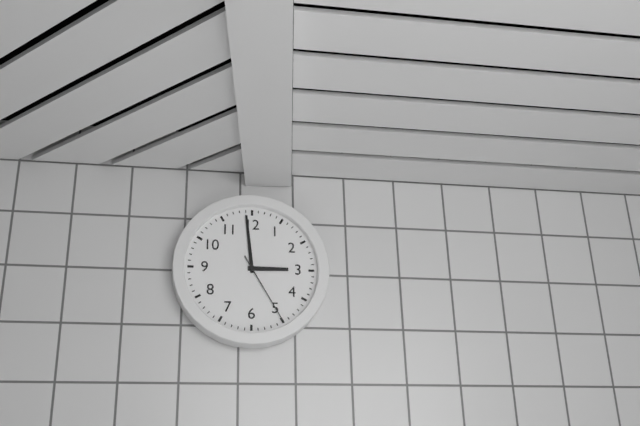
2:59:25
